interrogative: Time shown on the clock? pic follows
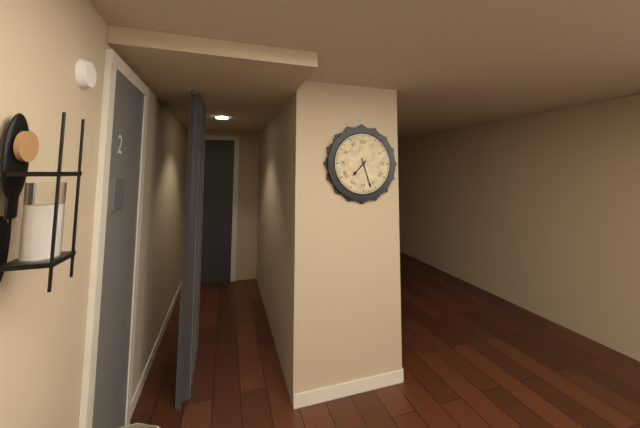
7:27
